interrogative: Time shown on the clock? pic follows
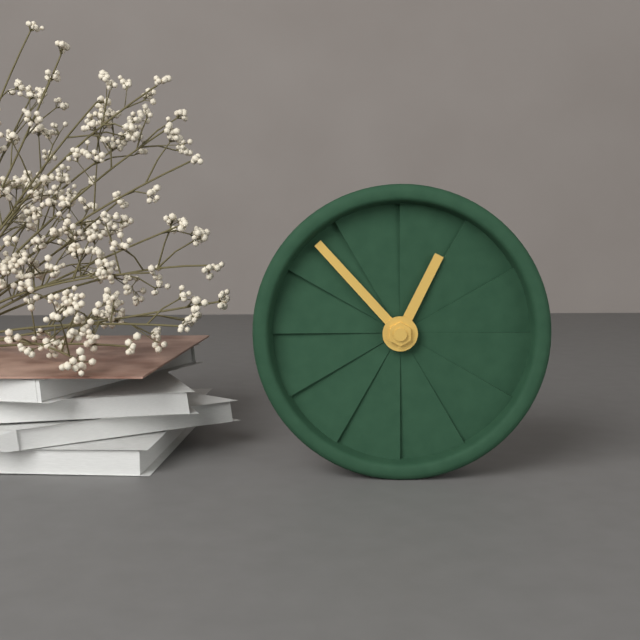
12:53
